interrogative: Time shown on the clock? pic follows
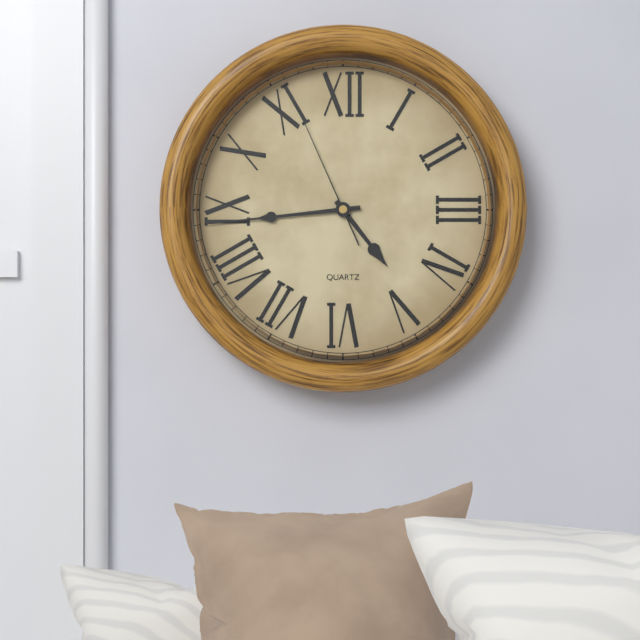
4:44:56
